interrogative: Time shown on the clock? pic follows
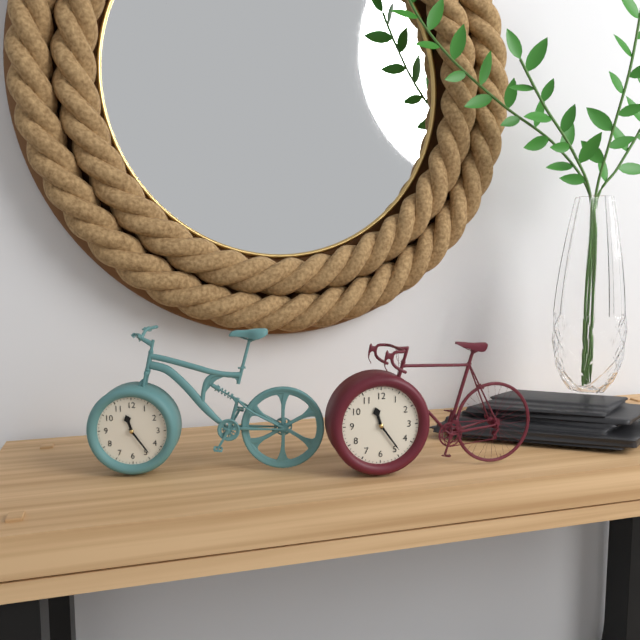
11:24
